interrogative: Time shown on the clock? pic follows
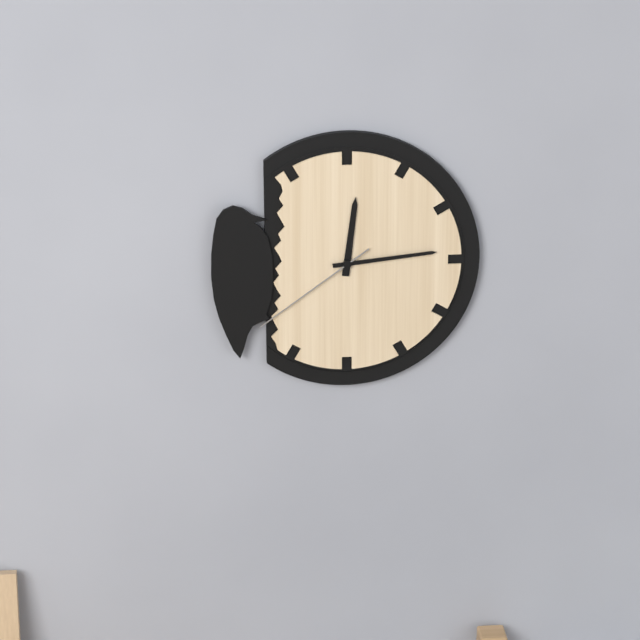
12:14:39
